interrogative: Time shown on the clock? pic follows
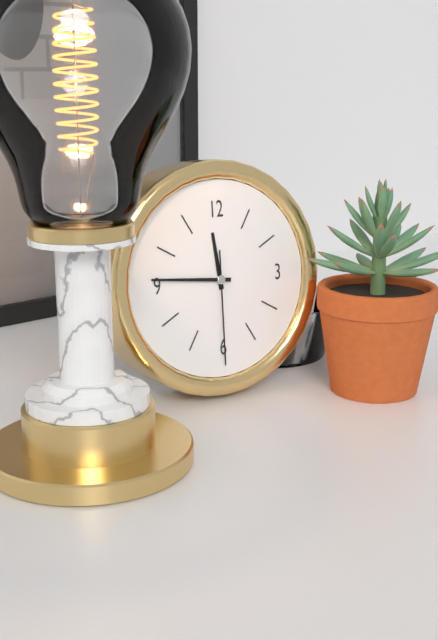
11:46:30
